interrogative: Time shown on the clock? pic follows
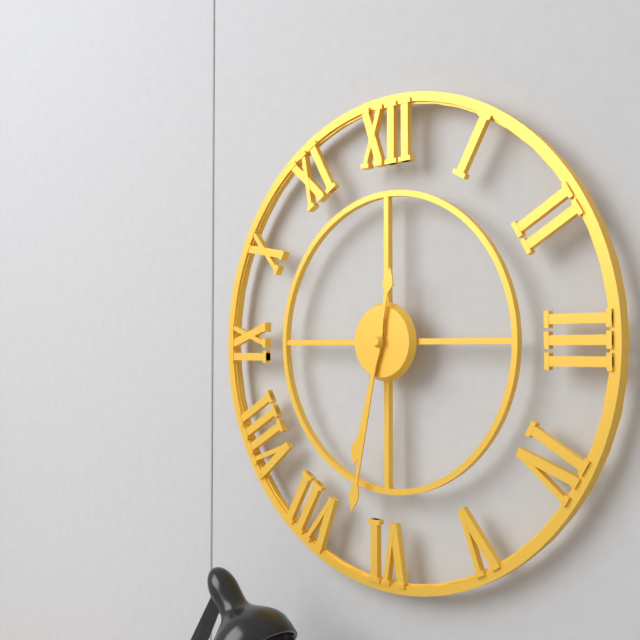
6:32
